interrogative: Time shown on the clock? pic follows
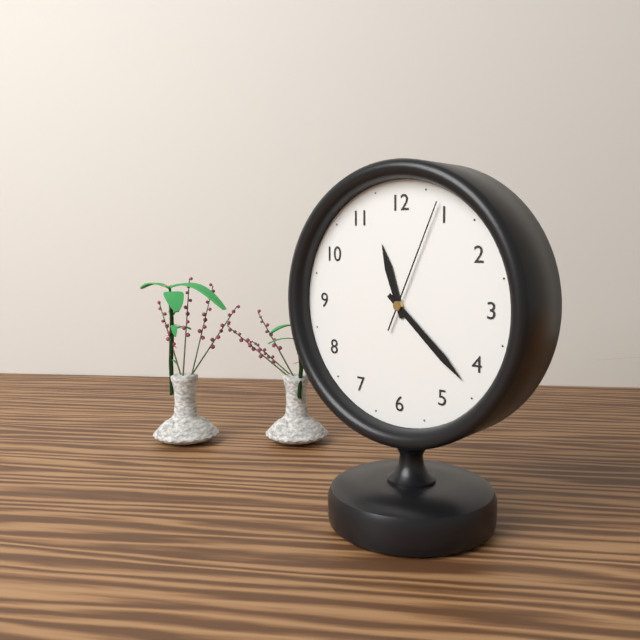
11:22:04
